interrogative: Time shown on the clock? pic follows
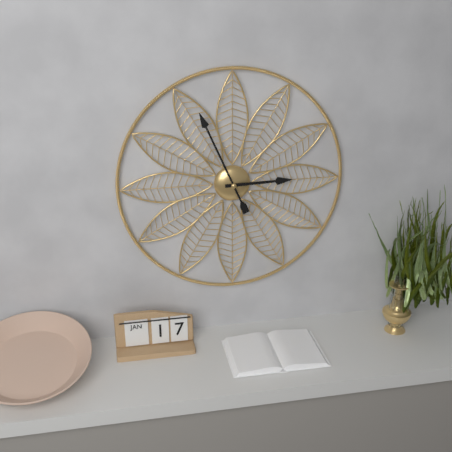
2:56
